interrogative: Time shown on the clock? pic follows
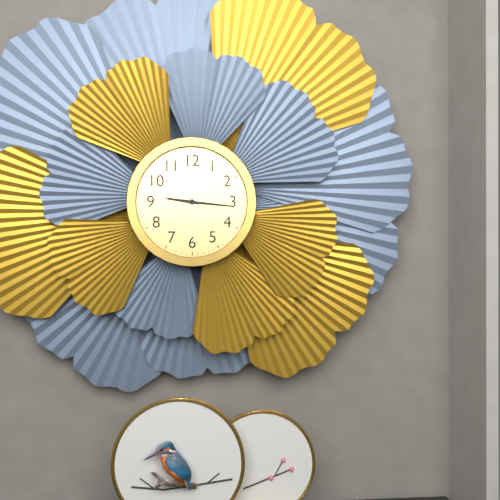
9:16
